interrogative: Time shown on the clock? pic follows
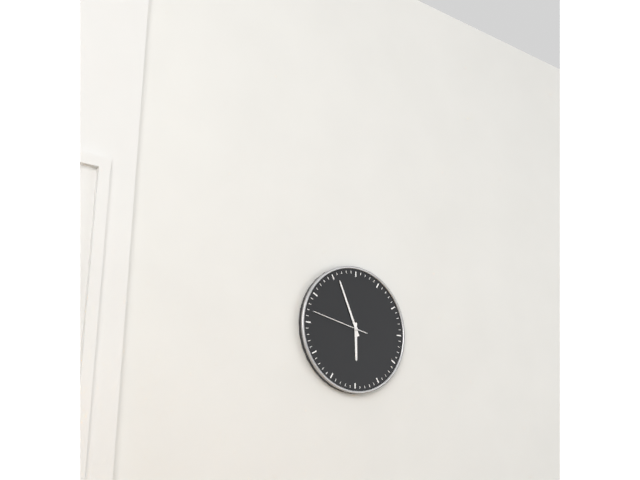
5:56:47
